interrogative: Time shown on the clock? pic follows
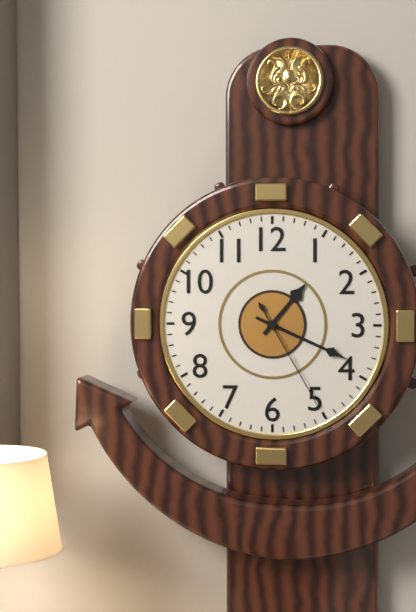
1:19:25
